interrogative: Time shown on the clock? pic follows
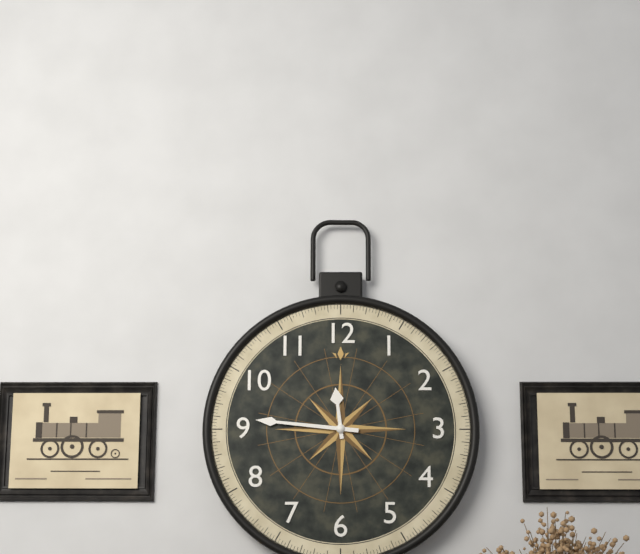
11:46
